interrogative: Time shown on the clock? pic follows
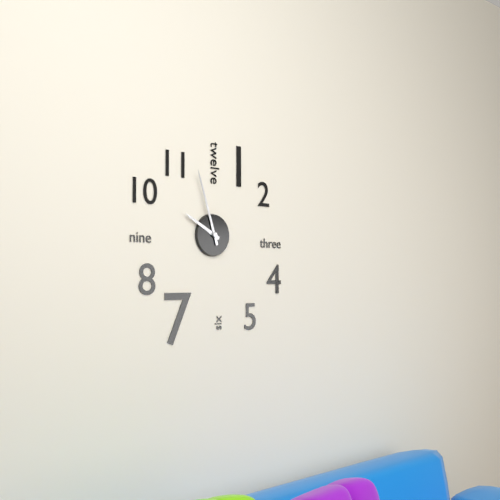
9:57
